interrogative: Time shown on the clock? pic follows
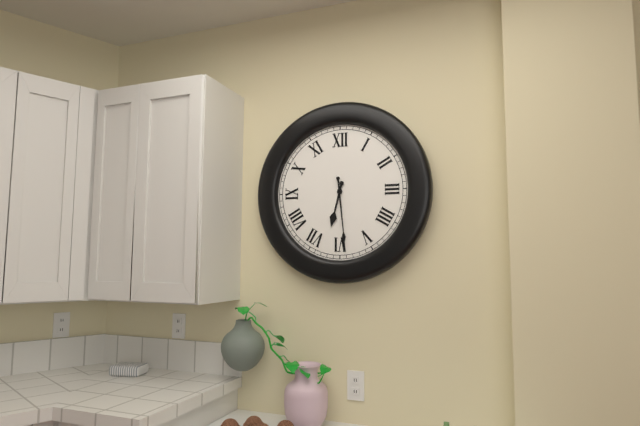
6:29
